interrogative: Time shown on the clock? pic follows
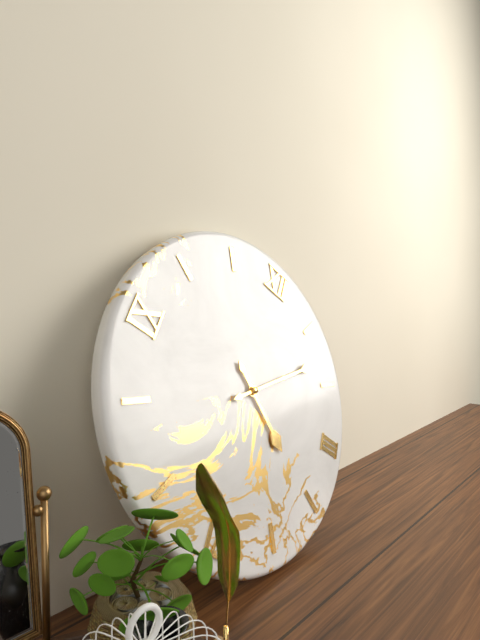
4:08
